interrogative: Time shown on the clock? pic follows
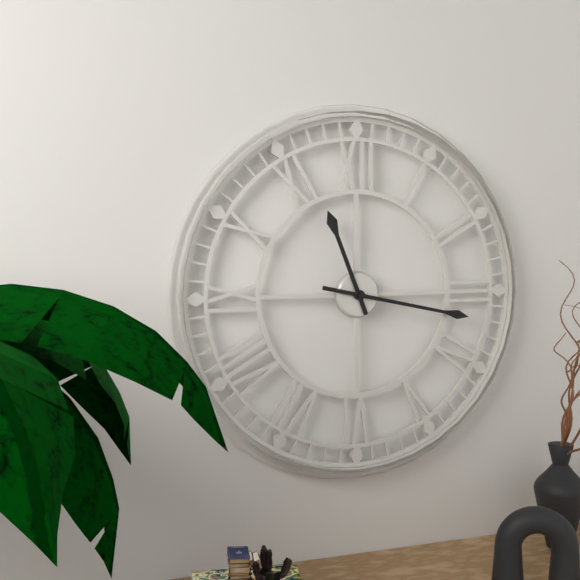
11:17
